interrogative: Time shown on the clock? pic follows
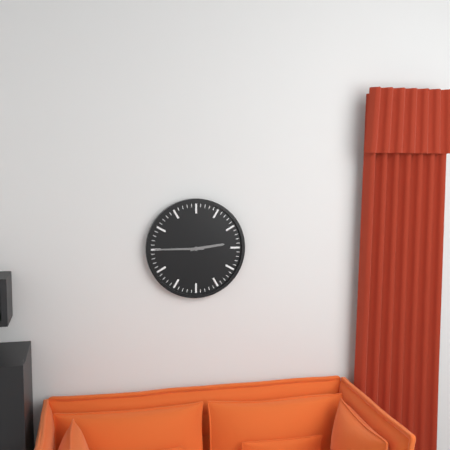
2:45
